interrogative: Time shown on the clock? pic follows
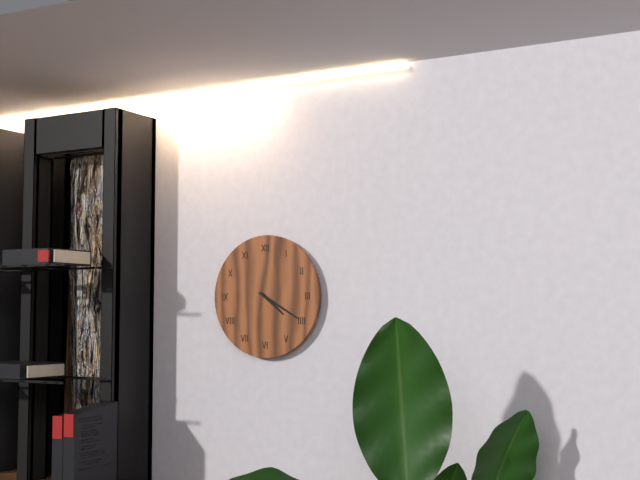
4:20
